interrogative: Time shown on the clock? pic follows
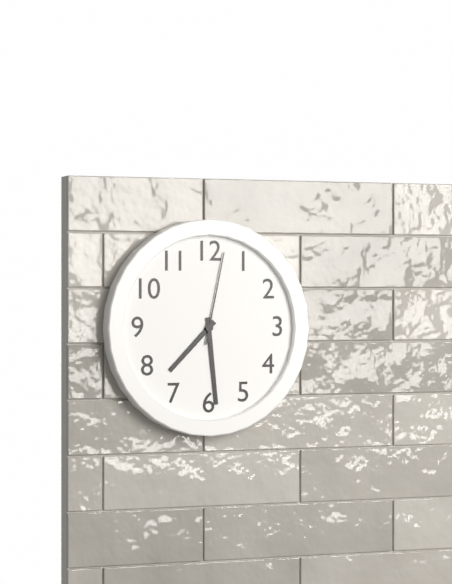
7:29:02
